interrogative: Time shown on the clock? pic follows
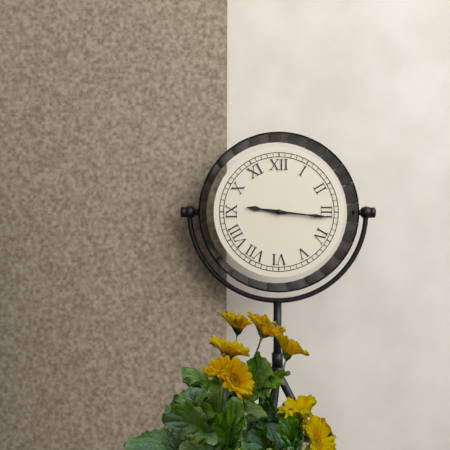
9:16
